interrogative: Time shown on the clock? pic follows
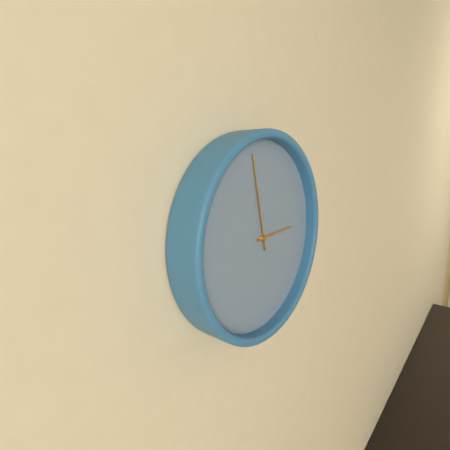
2:58
